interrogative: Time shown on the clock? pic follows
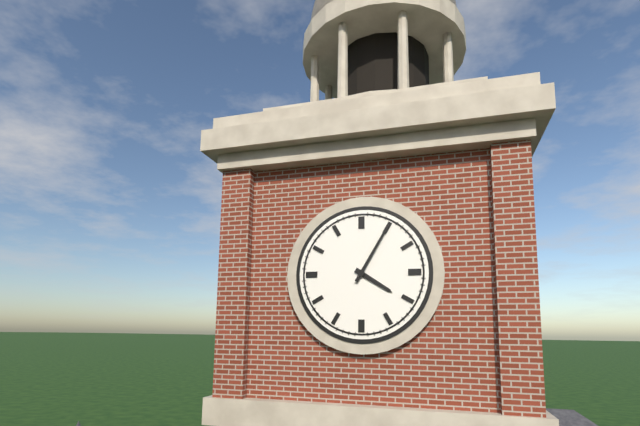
4:05
